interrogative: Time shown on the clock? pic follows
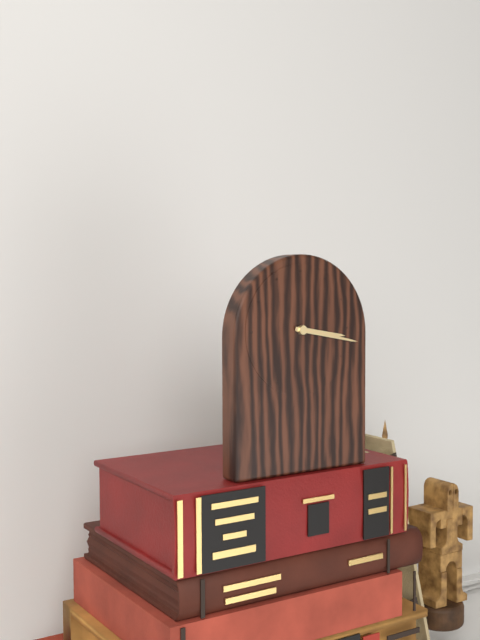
3:17
